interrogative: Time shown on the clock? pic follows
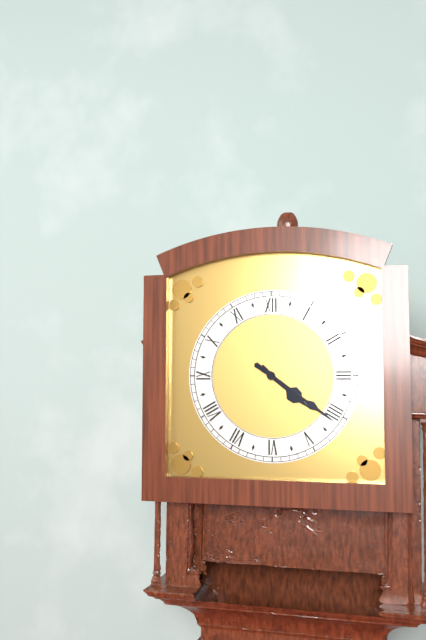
4:21
